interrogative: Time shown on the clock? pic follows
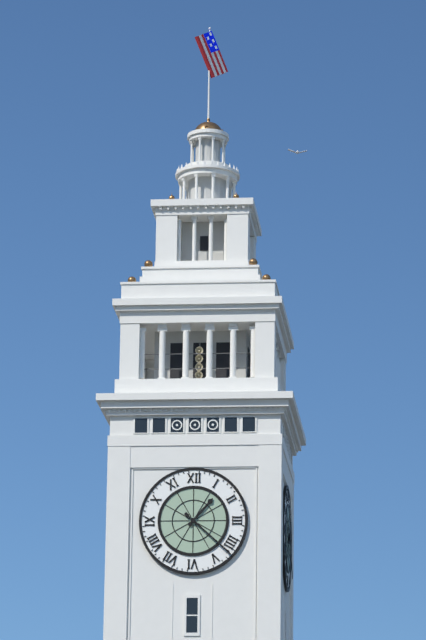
1:22
